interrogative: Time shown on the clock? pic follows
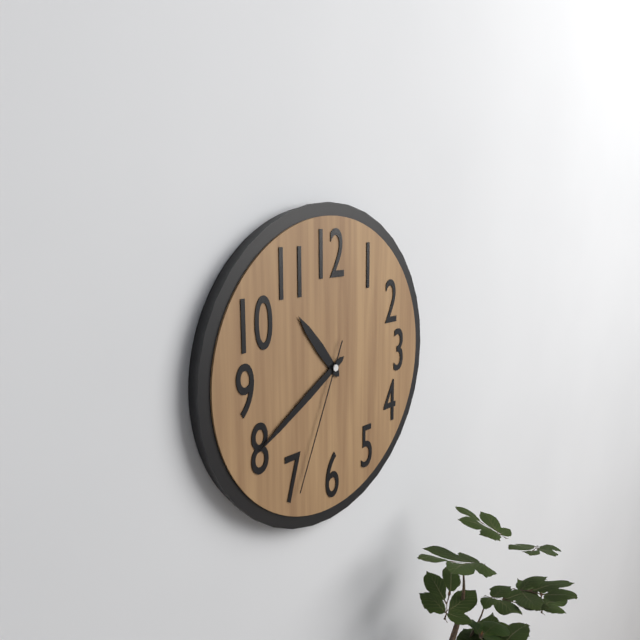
10:40:34
